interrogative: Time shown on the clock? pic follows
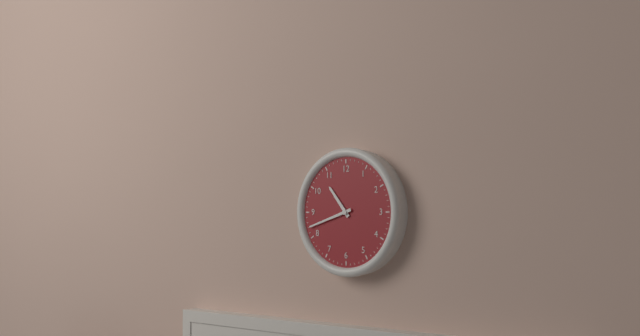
10:42
